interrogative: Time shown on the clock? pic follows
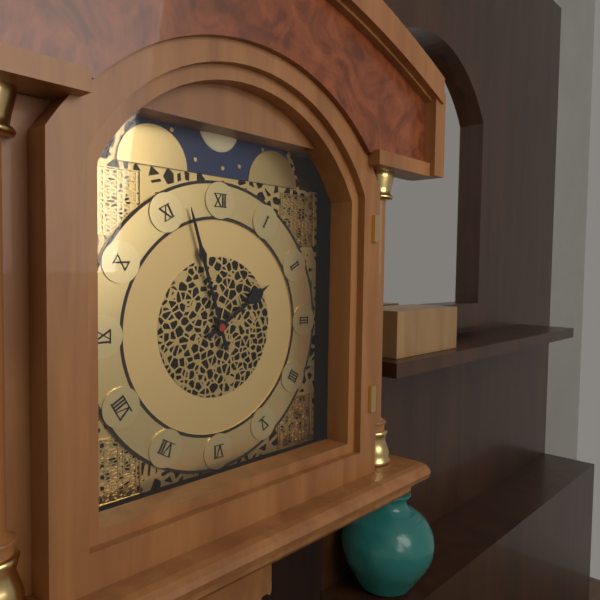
1:57
